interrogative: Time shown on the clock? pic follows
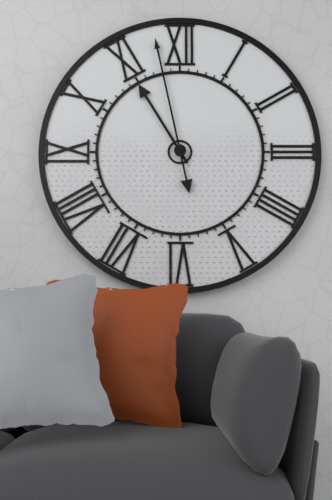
10:58
